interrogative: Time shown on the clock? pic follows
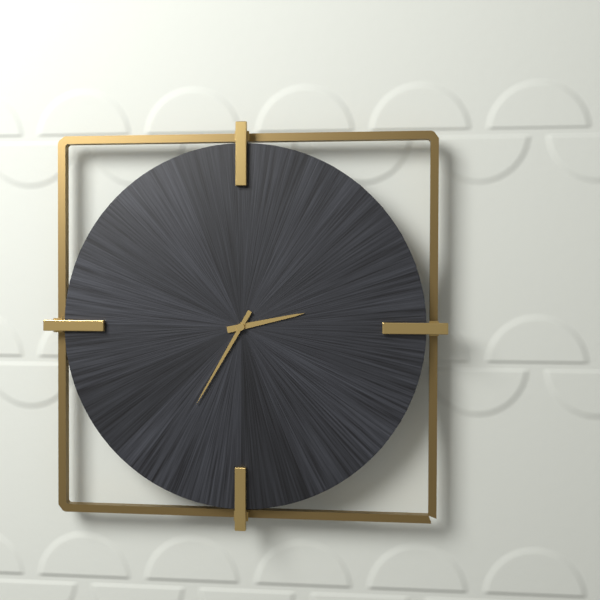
2:35
